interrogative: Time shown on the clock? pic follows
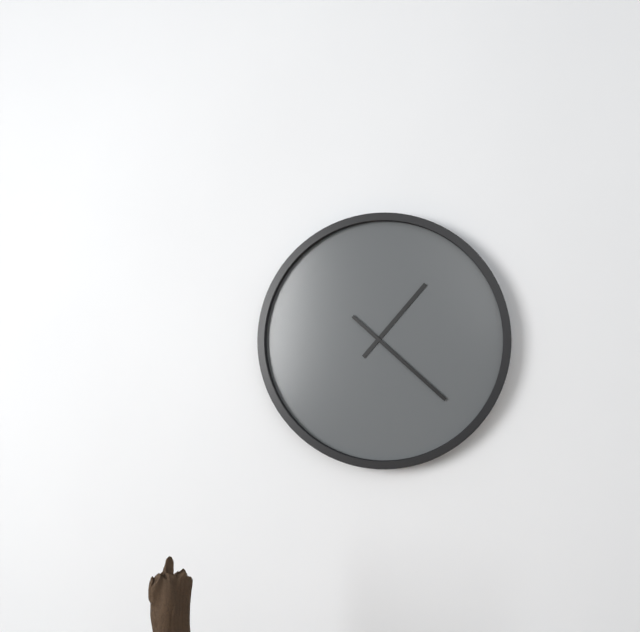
1:22
